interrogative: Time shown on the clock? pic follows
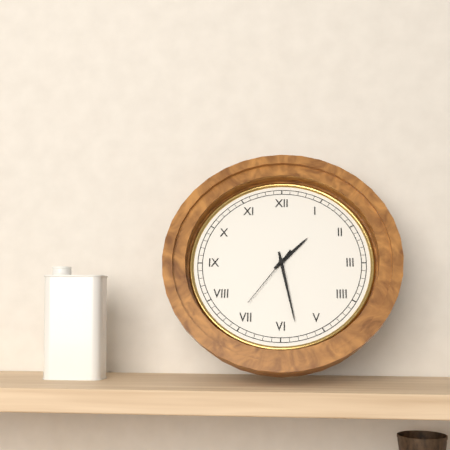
1:28:36
